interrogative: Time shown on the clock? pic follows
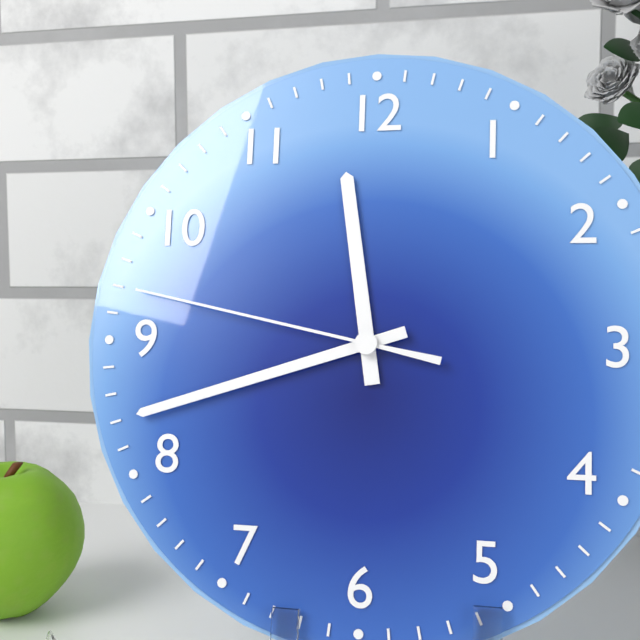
11:42:47
